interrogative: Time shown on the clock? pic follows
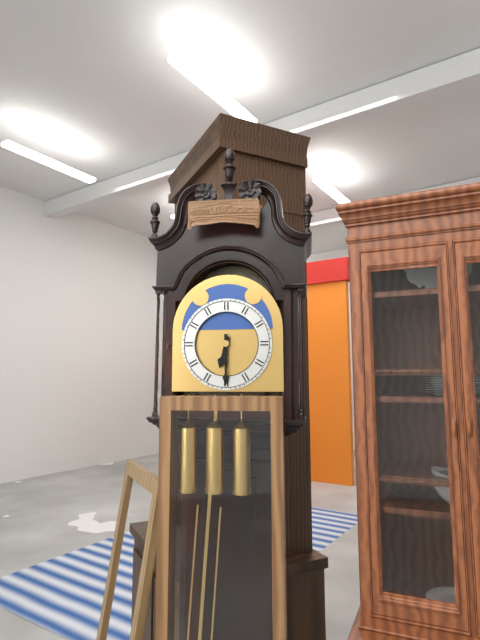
6:30
